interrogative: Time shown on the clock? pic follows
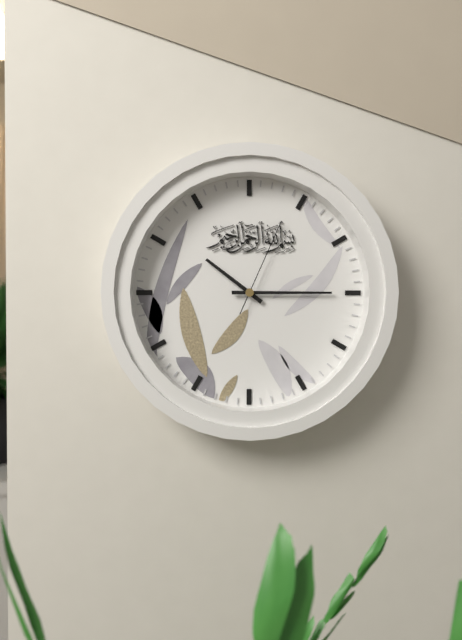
10:15:04
